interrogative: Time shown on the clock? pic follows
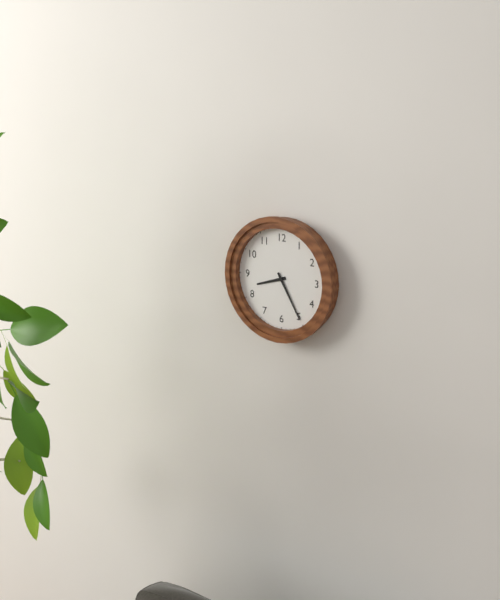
8:25
